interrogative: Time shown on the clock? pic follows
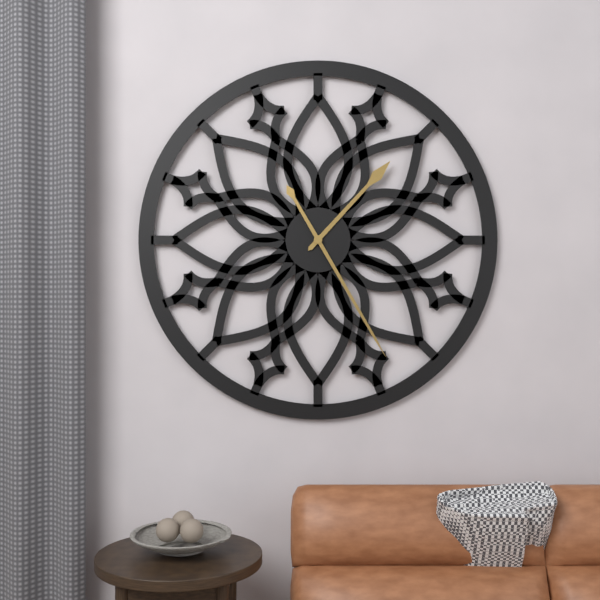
1:25
